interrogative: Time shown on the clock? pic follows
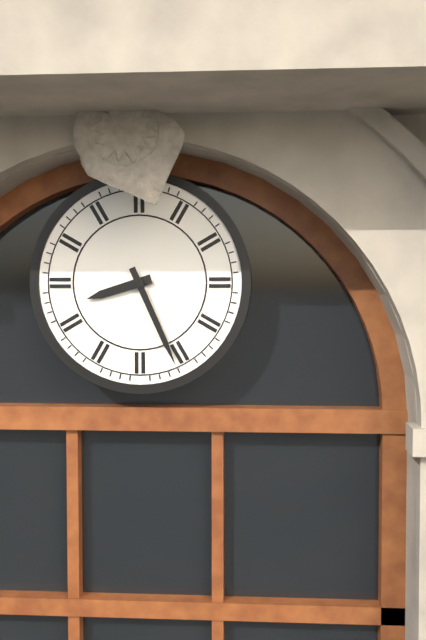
8:26
